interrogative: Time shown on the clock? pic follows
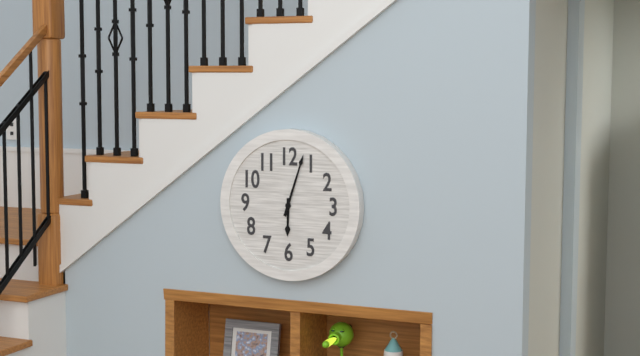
6:03
